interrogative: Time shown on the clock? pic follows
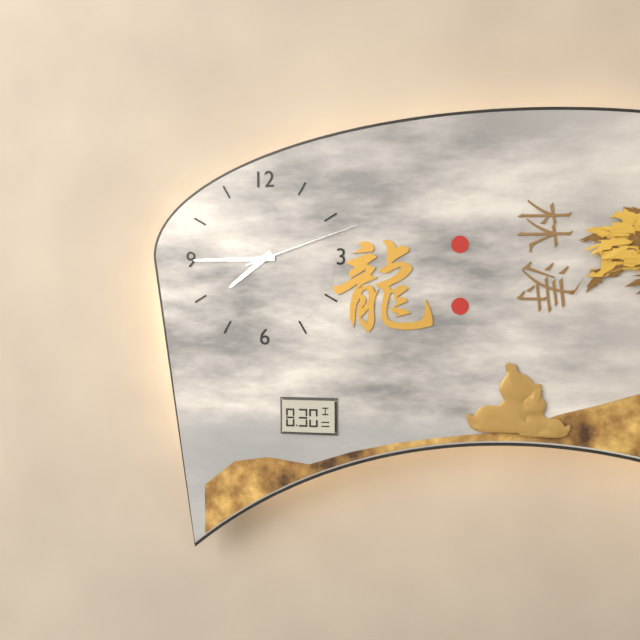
7:45:12
